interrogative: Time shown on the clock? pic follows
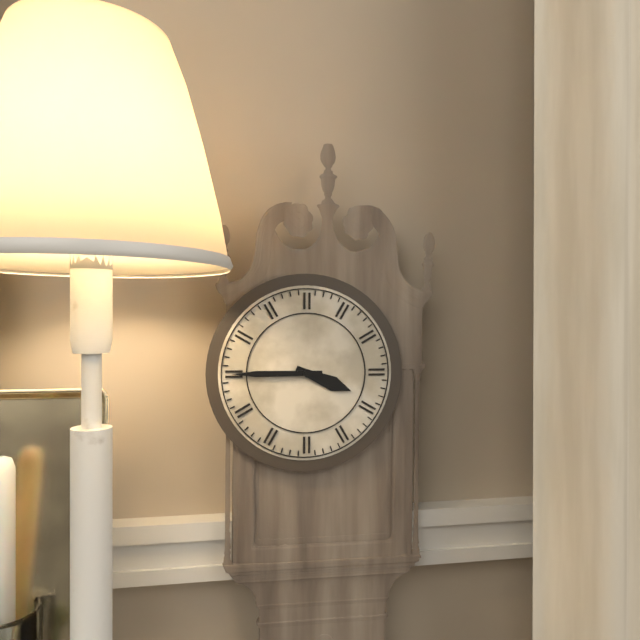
3:45
